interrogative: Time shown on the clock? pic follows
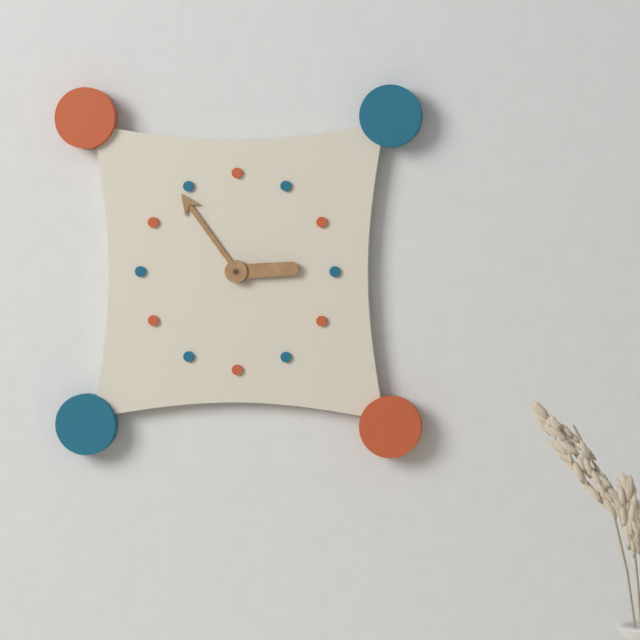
2:54
